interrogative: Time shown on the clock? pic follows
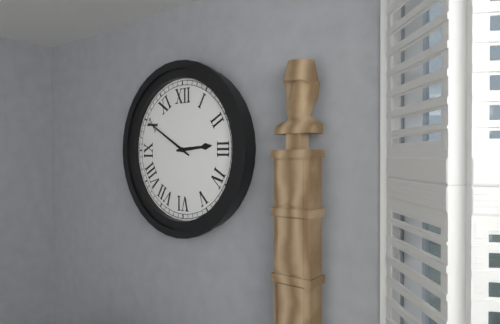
2:50
